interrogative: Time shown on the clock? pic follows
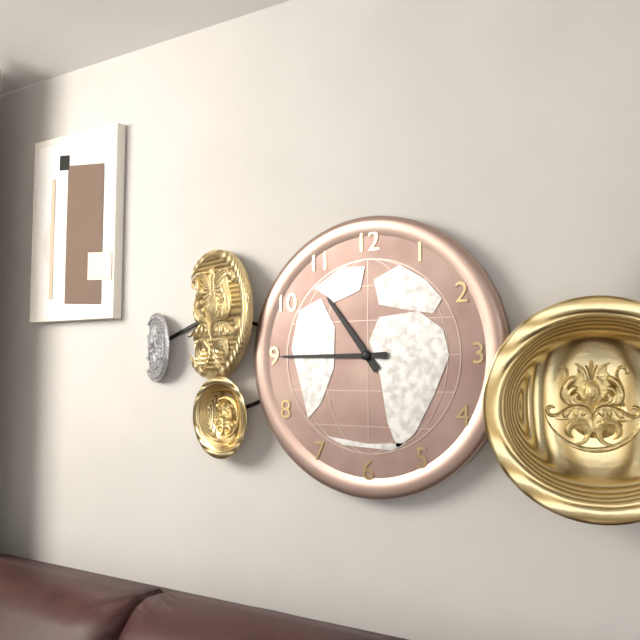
10:45
